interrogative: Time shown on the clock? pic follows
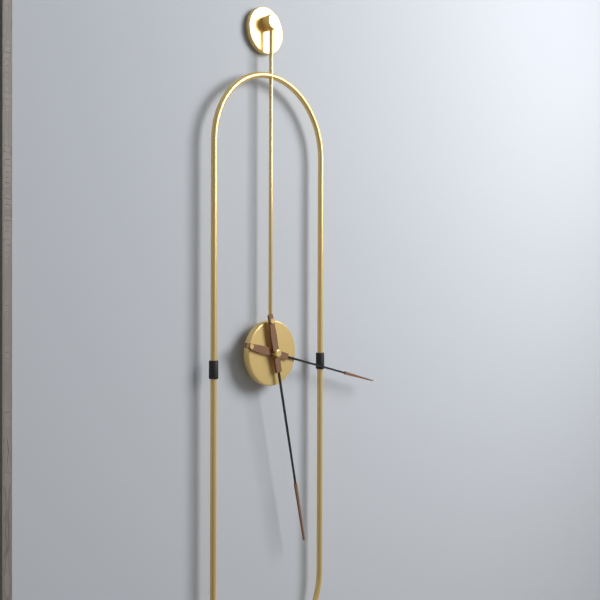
3:28
